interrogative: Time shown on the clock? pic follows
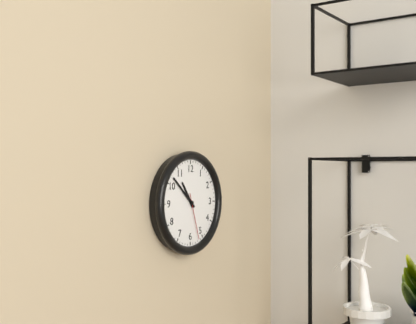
10:52
